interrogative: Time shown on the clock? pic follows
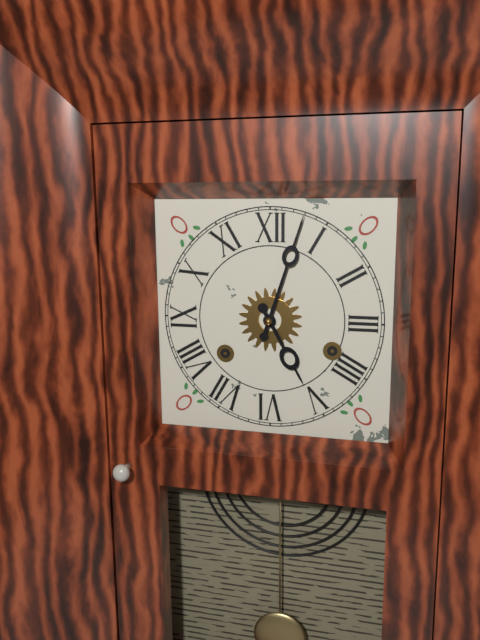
5:03
